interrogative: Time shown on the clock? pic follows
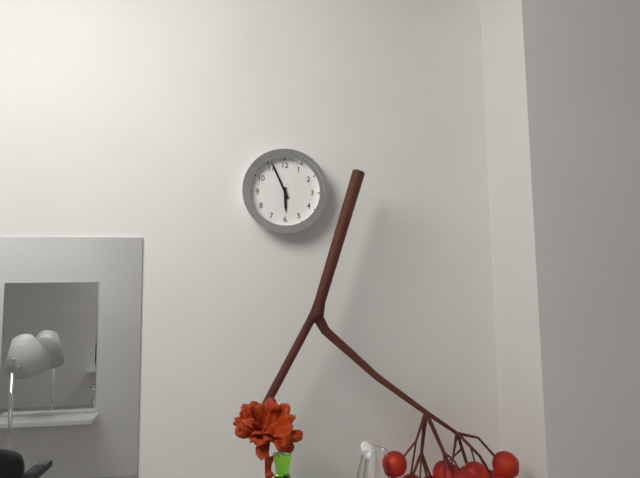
5:56
